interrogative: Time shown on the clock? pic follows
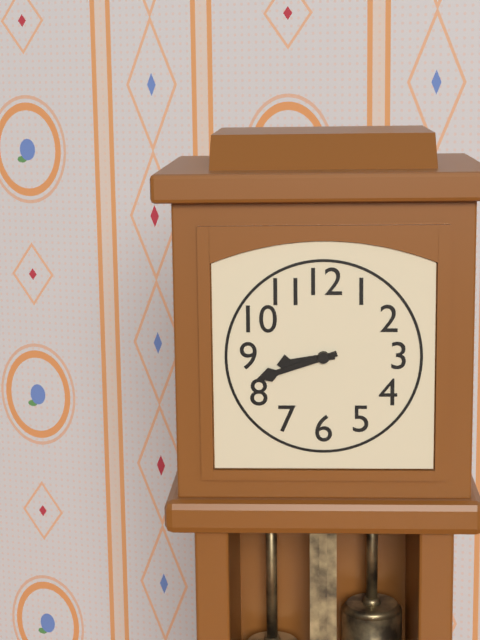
8:42
